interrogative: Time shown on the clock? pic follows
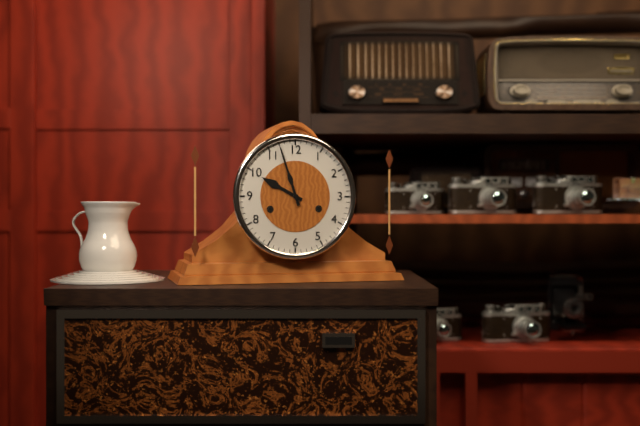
9:57
